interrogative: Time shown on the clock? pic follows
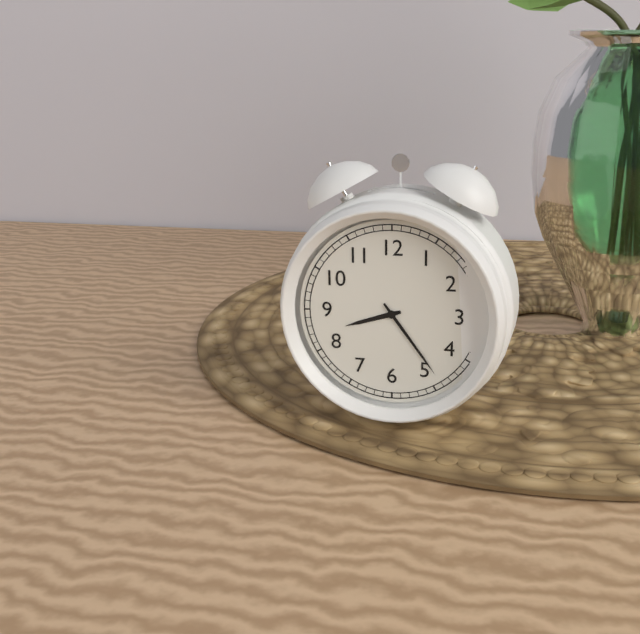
8:24
